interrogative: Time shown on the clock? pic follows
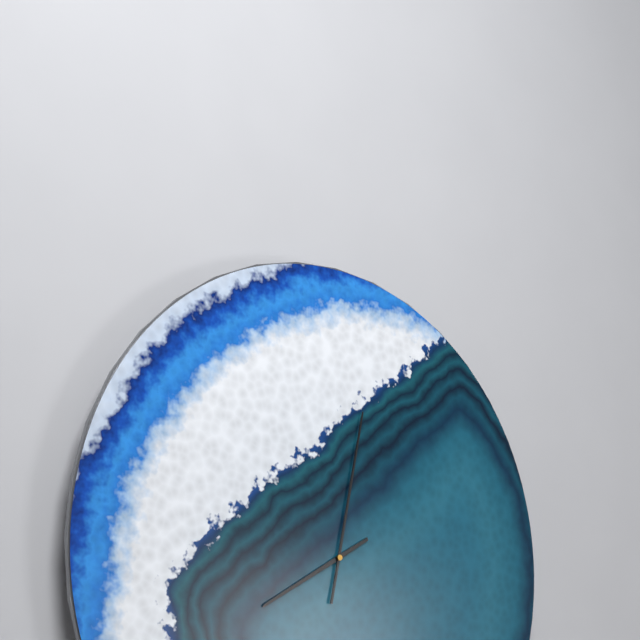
8:02
